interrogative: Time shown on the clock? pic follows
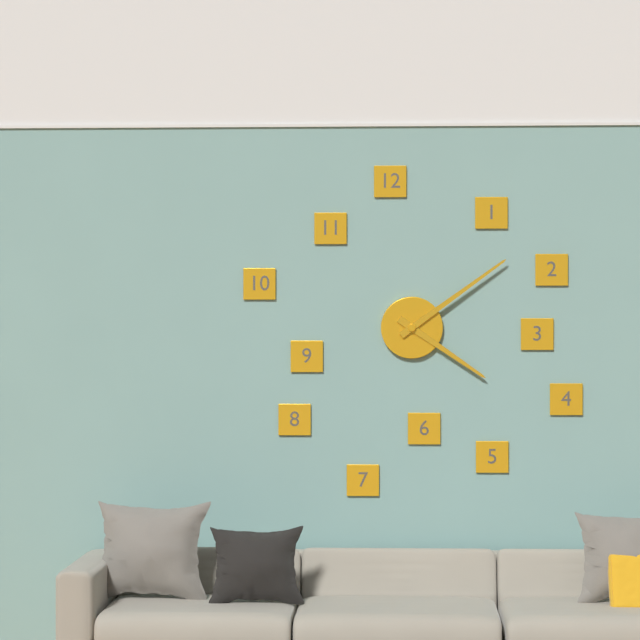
4:09
